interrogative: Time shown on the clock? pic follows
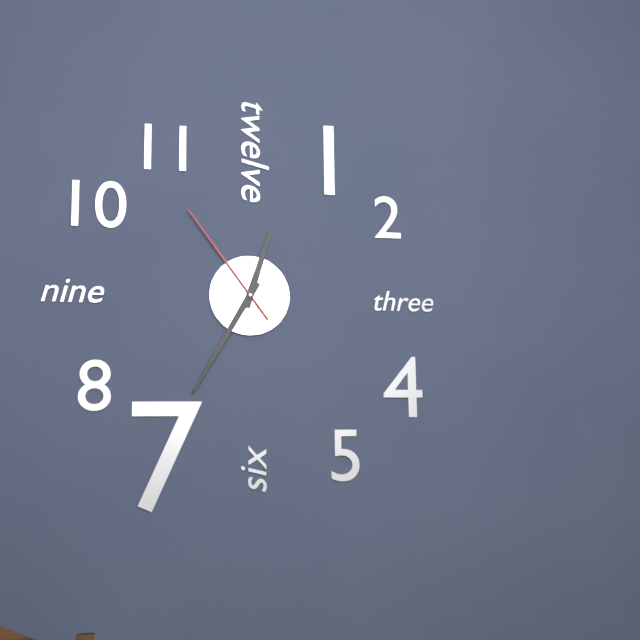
12:35:54
